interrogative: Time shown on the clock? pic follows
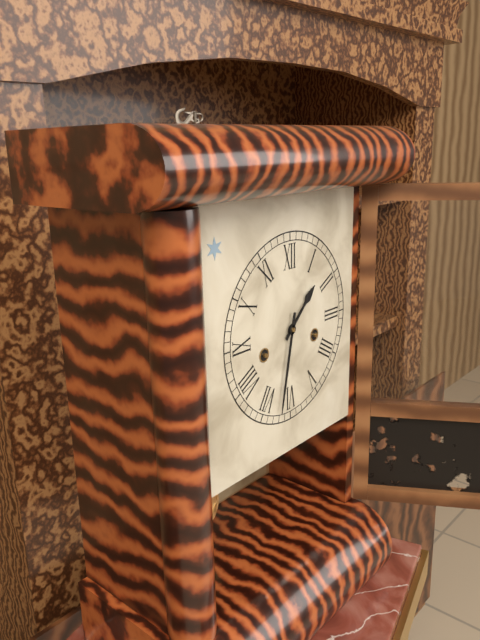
1:32
